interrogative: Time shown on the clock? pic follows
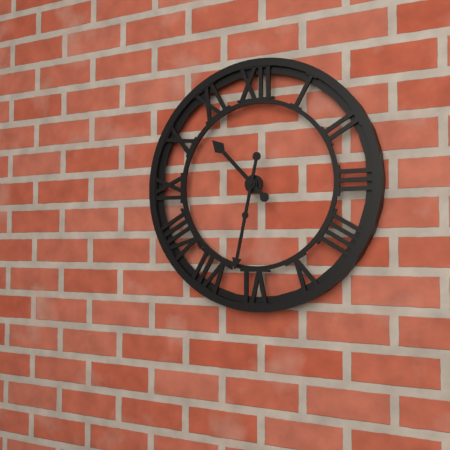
10:32
